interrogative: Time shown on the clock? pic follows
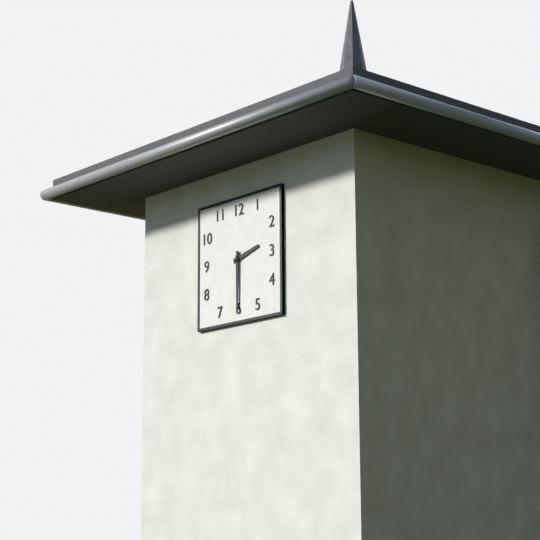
2:30
